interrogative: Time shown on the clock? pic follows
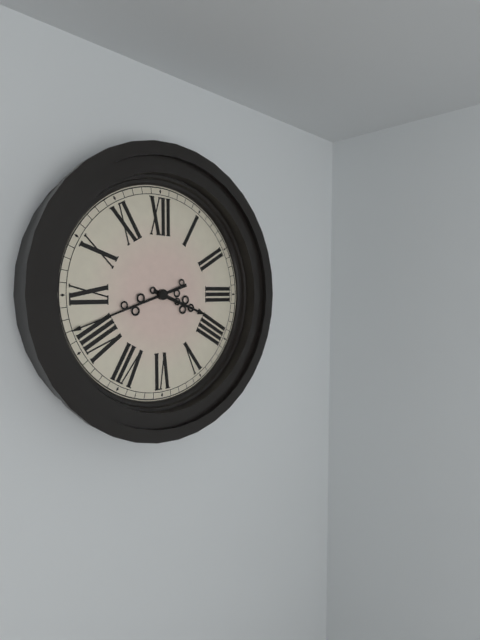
3:42
